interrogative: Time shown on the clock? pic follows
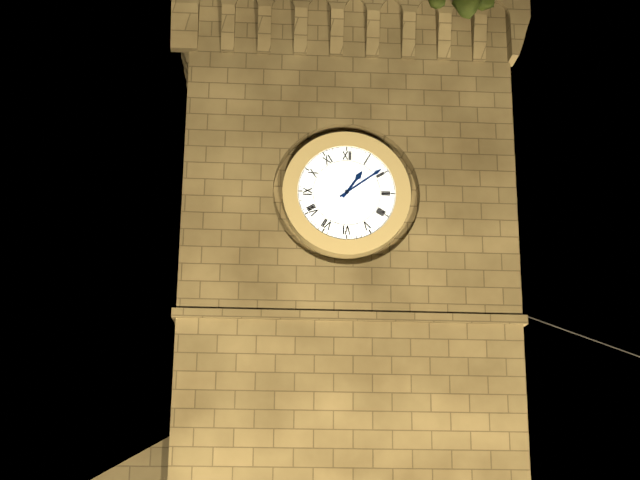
1:09
